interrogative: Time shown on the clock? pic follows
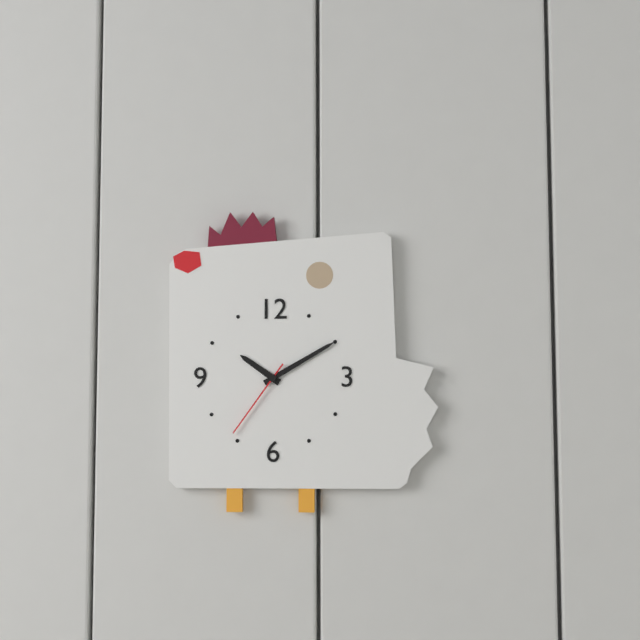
10:10:36
